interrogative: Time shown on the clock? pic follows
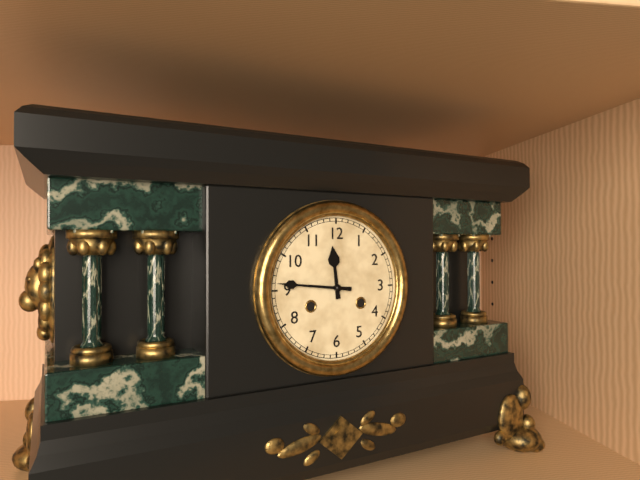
11:46
